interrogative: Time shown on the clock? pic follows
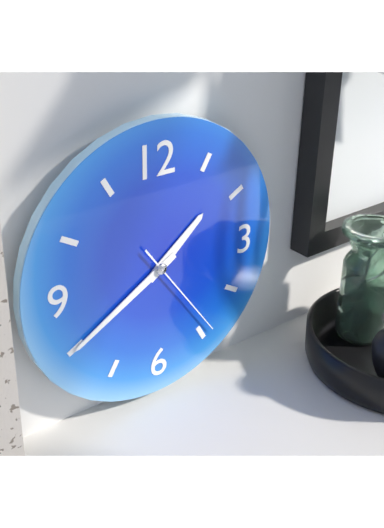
1:40:24
